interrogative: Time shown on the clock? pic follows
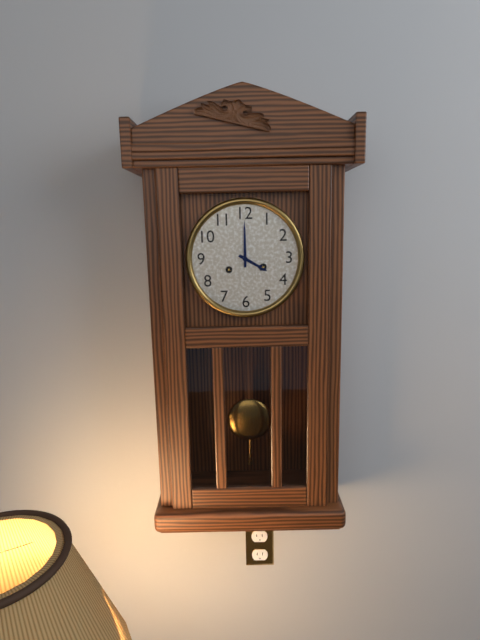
4:00
